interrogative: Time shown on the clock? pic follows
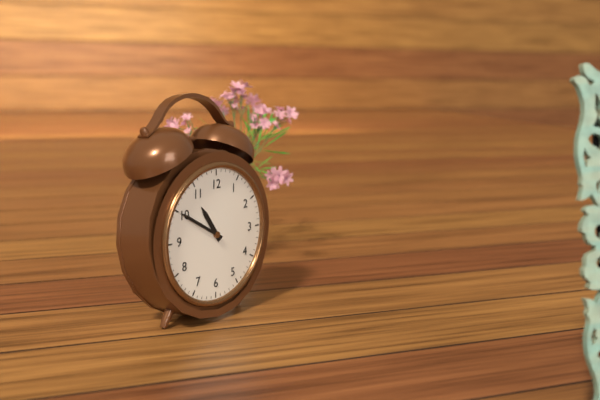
10:50
